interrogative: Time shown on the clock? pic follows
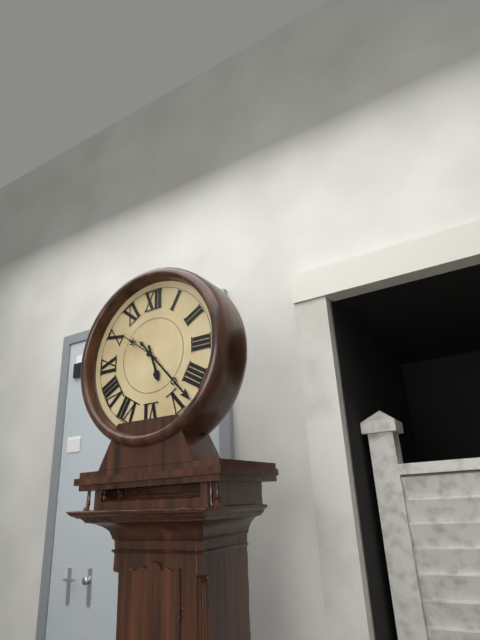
5:23:51
